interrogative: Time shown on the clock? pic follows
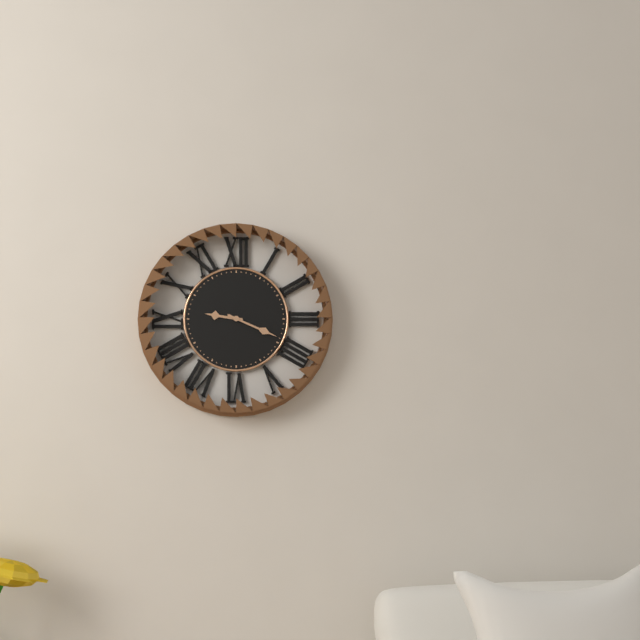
9:19
